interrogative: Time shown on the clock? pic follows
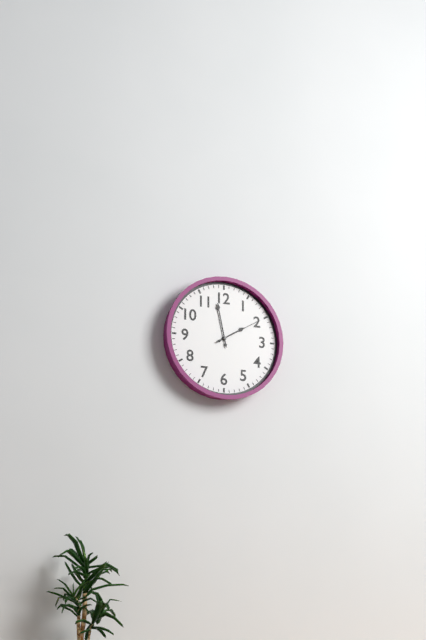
1:58
